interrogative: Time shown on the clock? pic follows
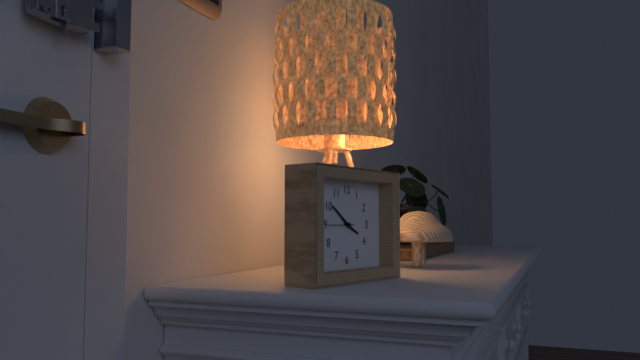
3:51
